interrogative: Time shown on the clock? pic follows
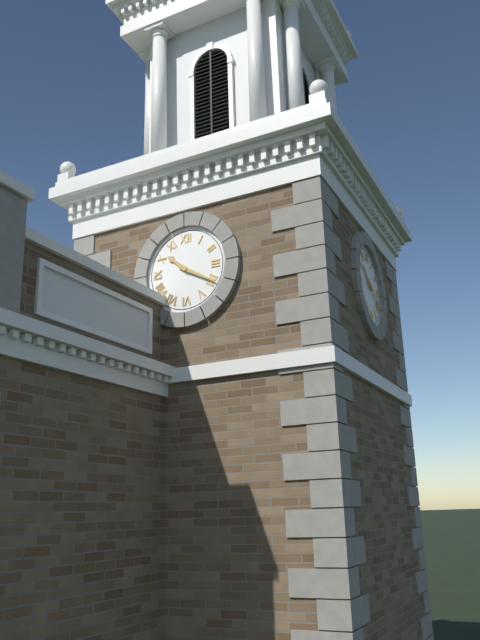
10:20
